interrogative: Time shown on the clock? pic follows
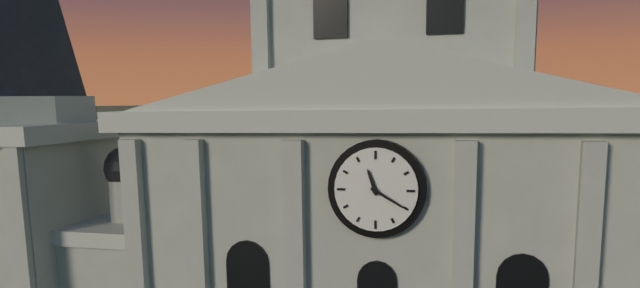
11:20
